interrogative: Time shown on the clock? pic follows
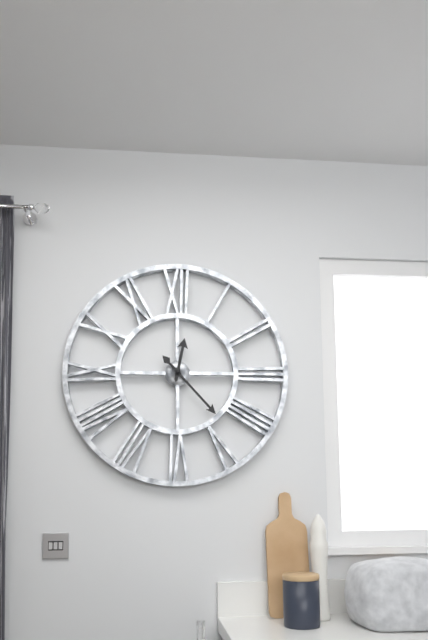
12:23
